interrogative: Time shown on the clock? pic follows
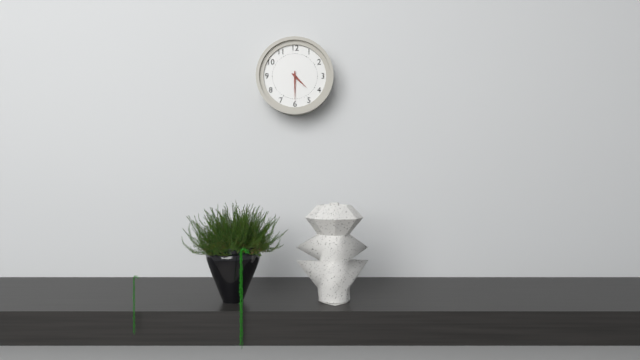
4:30
